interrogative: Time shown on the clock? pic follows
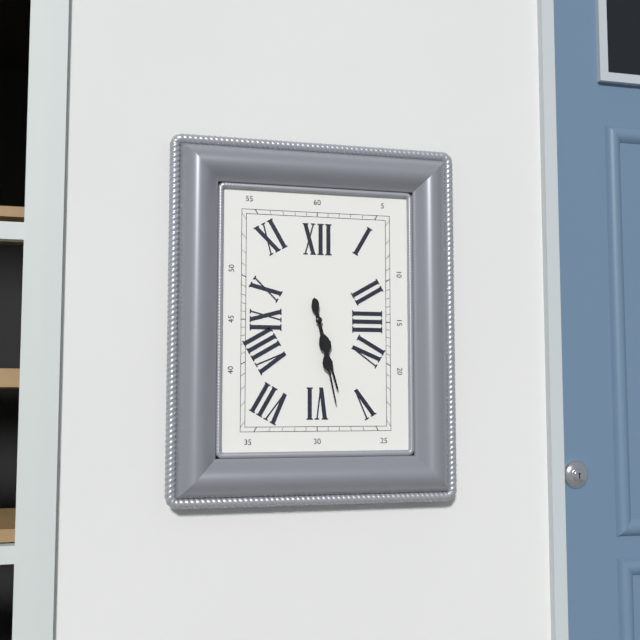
5:28
